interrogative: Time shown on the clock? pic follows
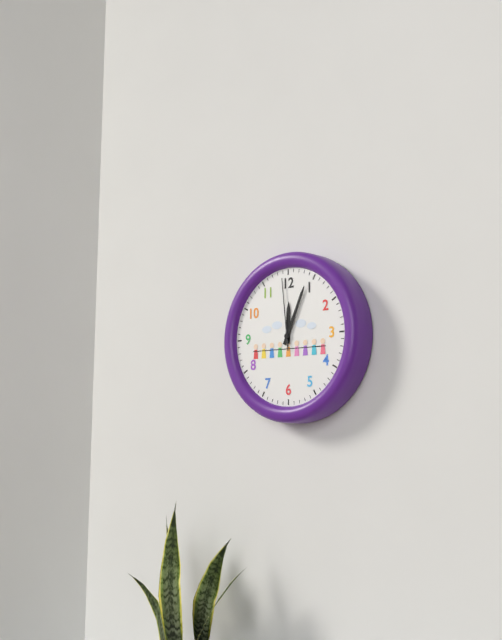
12:04:59
